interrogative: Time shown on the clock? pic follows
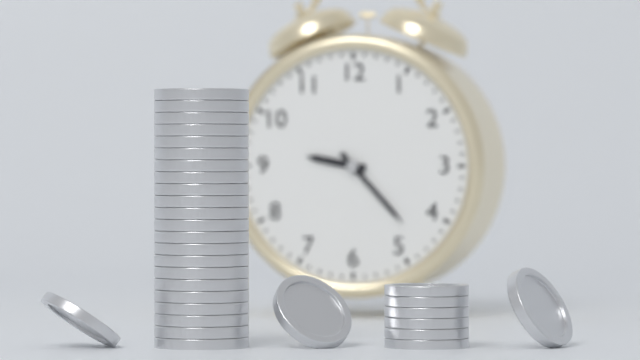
9:23
